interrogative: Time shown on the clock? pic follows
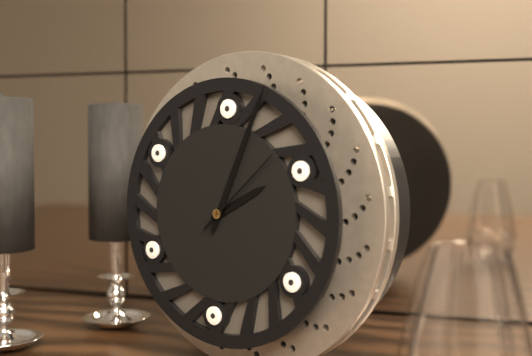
2:04:08
